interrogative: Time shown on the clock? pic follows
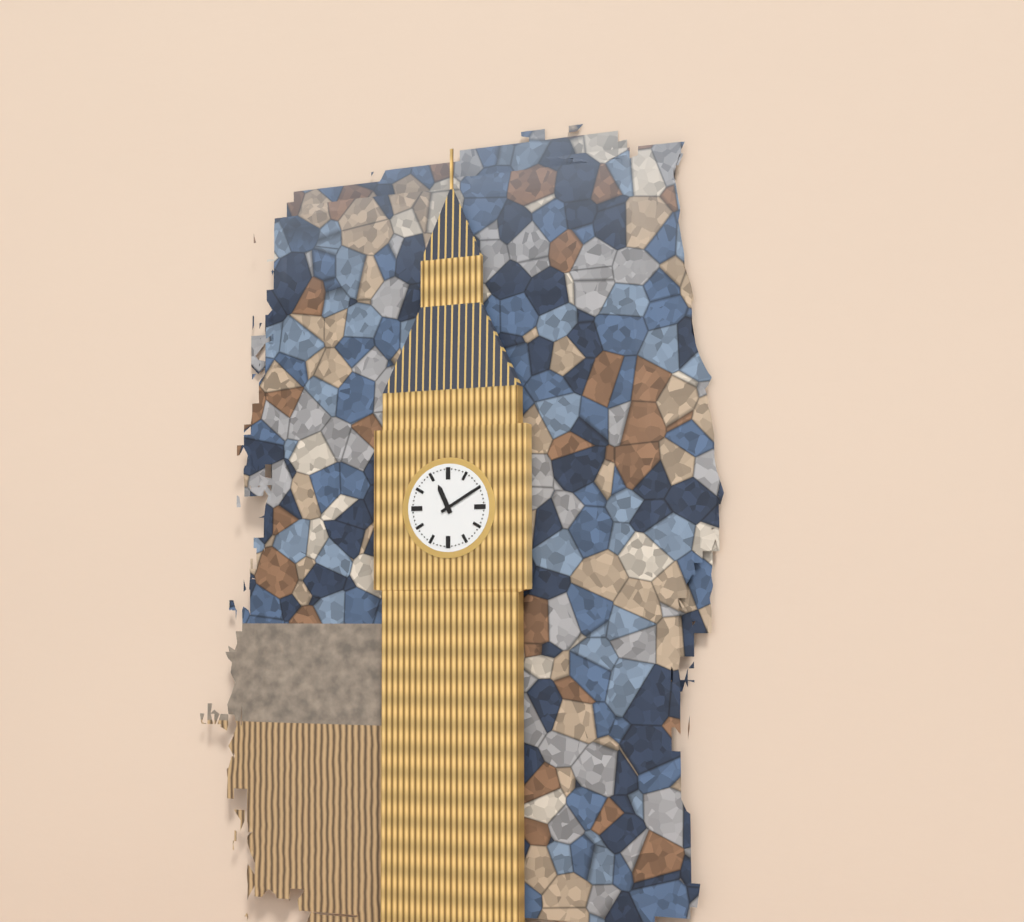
11:10
